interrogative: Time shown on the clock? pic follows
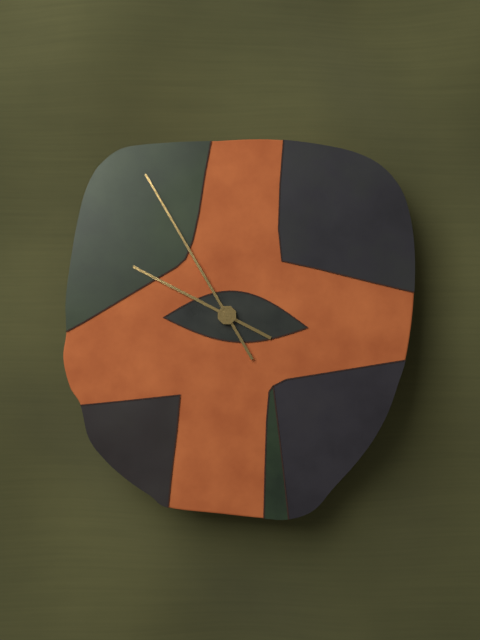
9:55
